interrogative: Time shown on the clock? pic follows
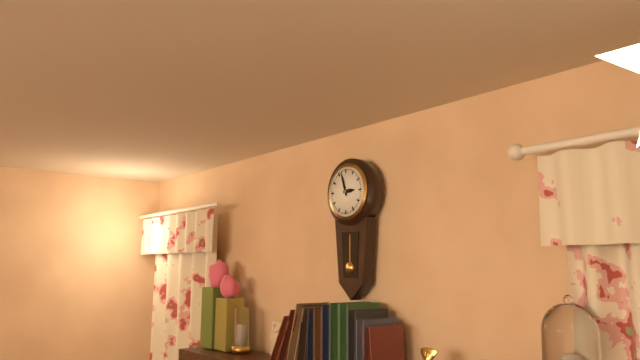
2:57
